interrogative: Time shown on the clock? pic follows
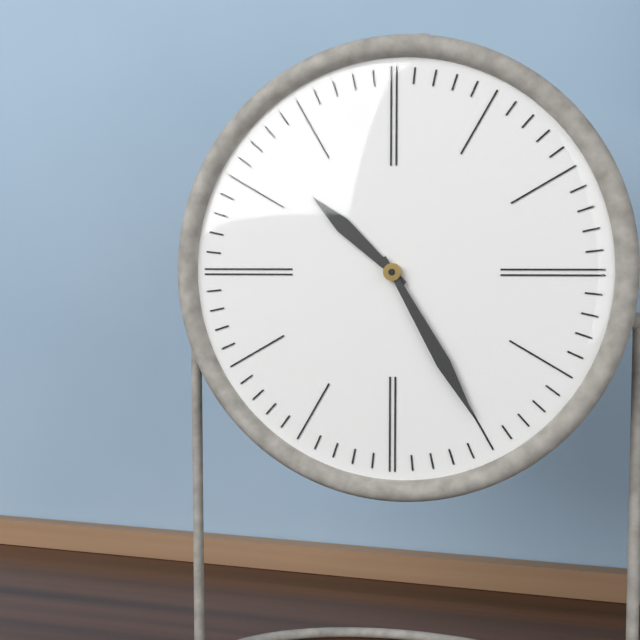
10:25
